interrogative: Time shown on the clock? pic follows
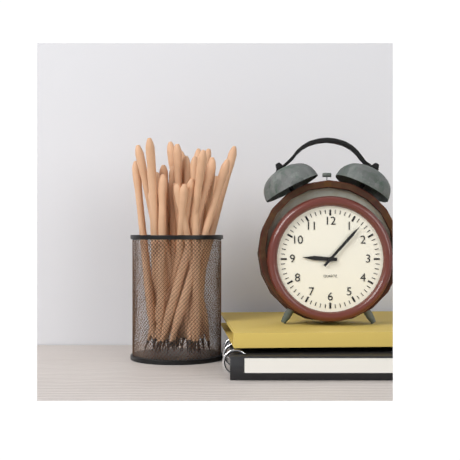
9:07
